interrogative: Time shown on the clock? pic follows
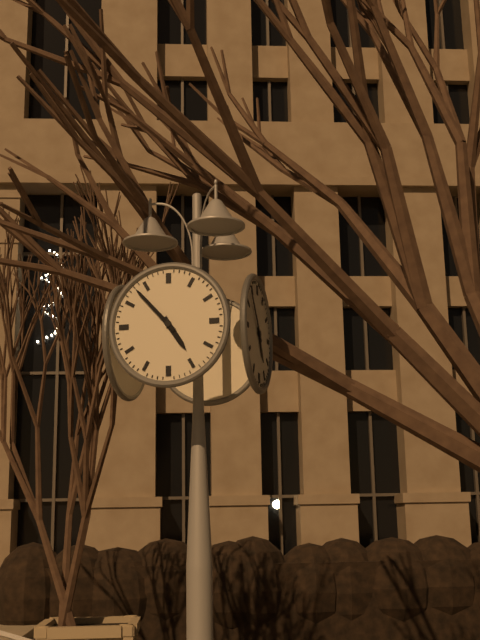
4:53
